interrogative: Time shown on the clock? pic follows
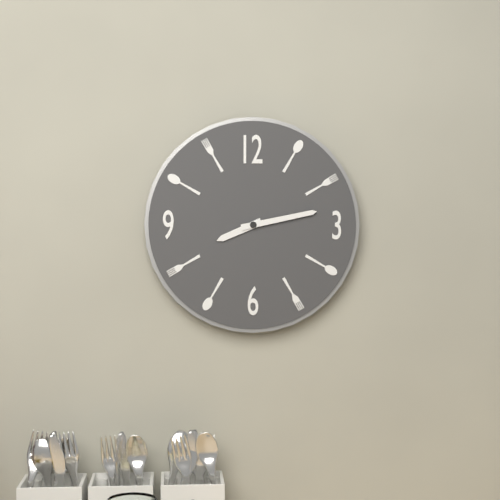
8:13
